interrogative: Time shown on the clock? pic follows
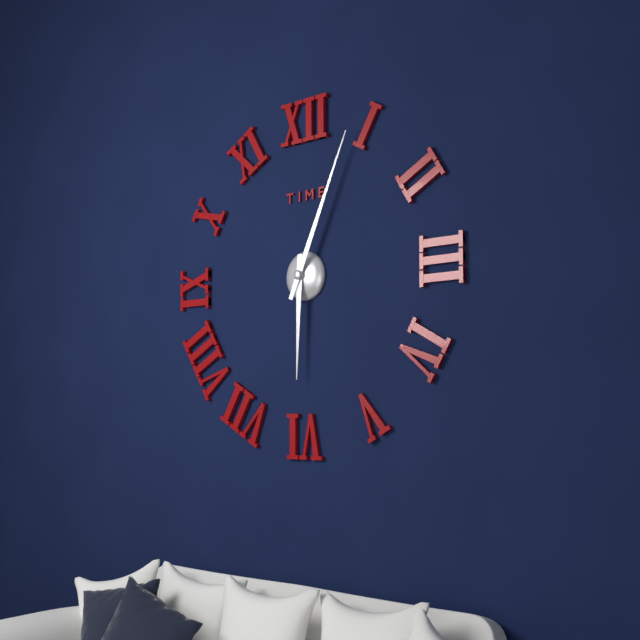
6:04
